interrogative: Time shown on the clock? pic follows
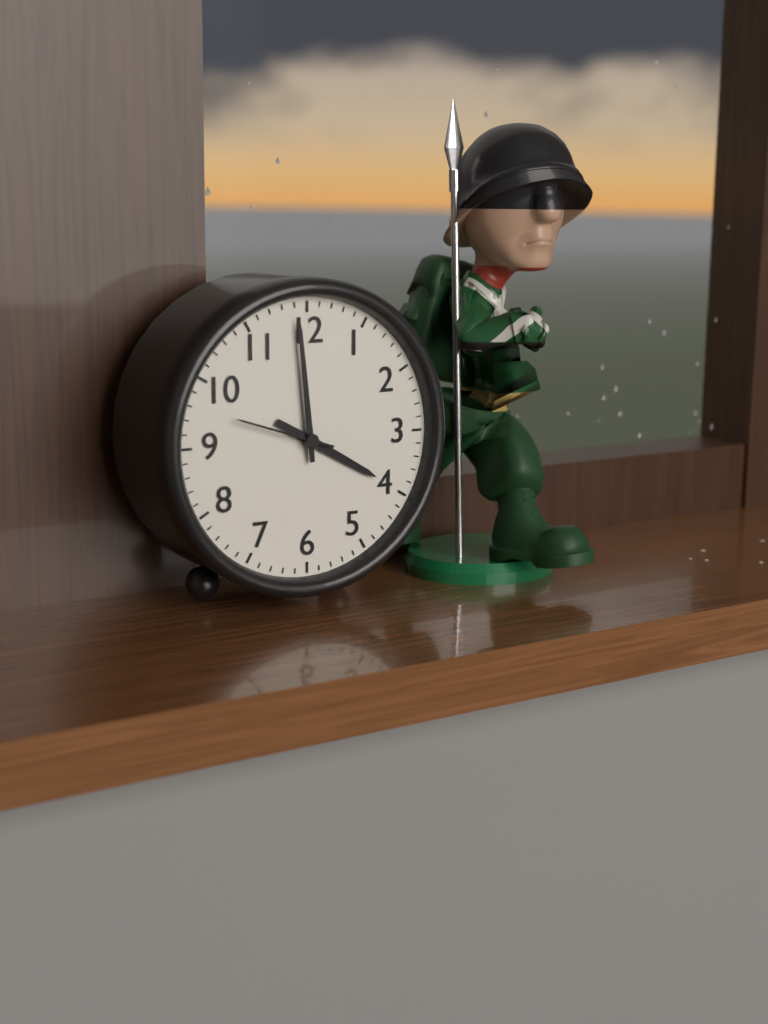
3:59:48
